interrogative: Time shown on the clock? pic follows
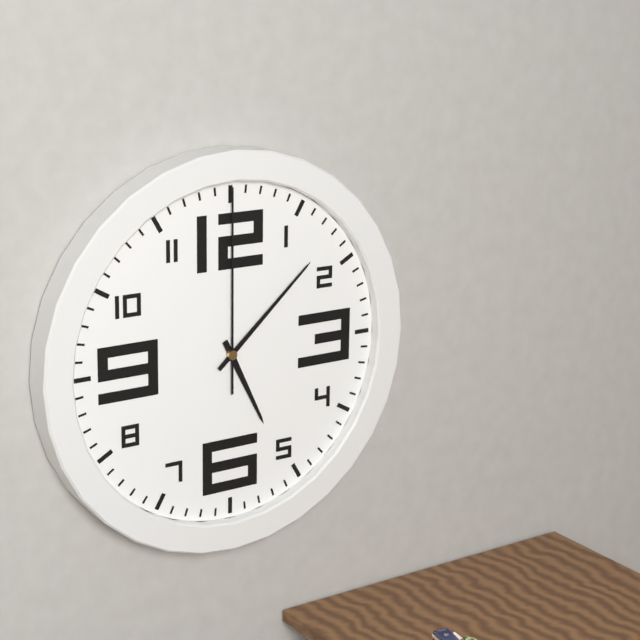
5:08:00
